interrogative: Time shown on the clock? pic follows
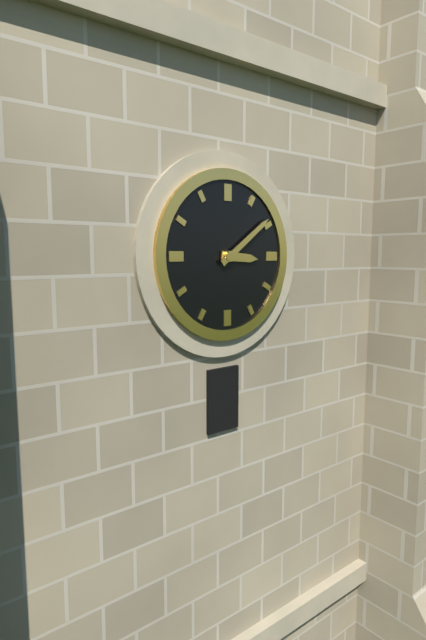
3:09
